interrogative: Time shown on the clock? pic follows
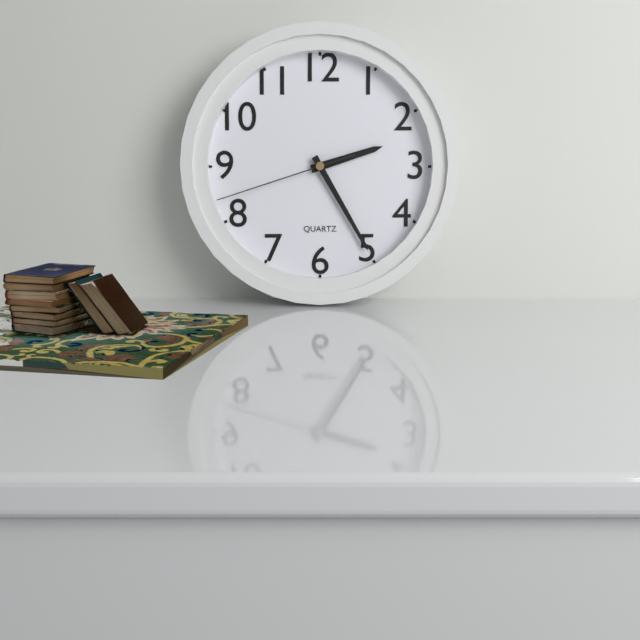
2:25:42
